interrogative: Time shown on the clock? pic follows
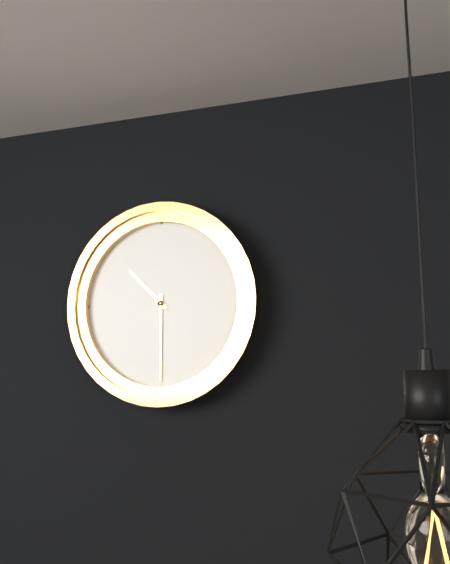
10:30
